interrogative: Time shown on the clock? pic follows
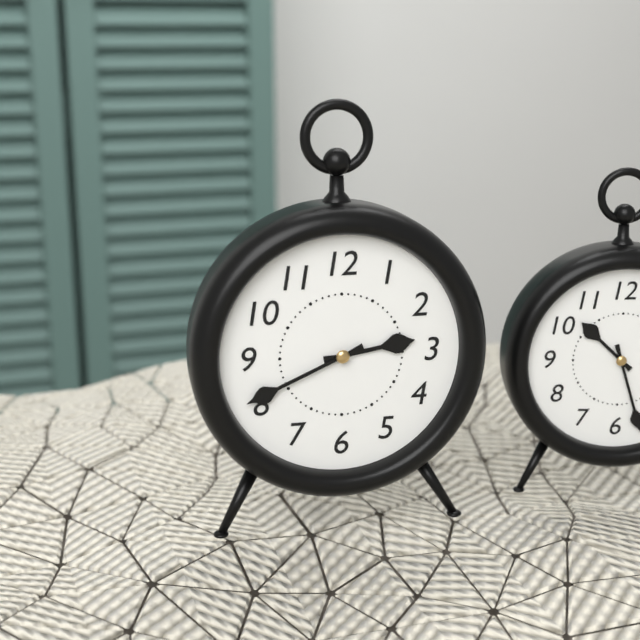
2:41
